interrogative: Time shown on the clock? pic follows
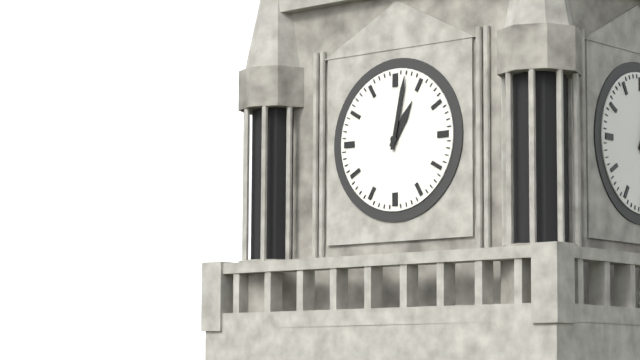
1:02
